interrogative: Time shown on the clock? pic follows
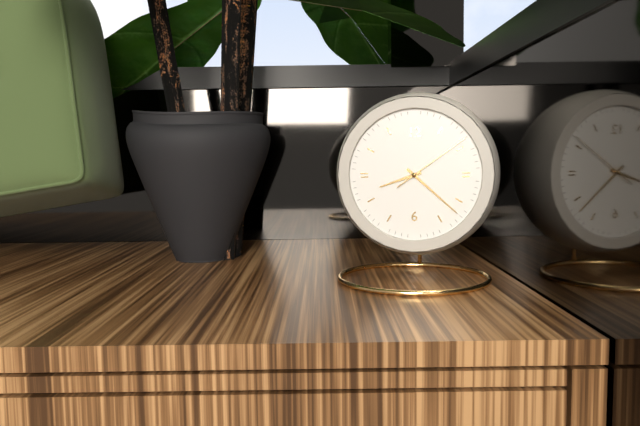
8:22:09
